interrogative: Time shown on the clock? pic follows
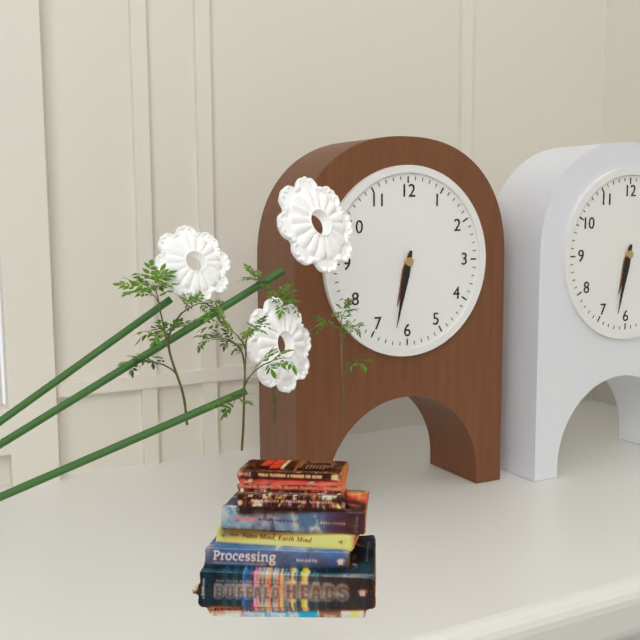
6:32
